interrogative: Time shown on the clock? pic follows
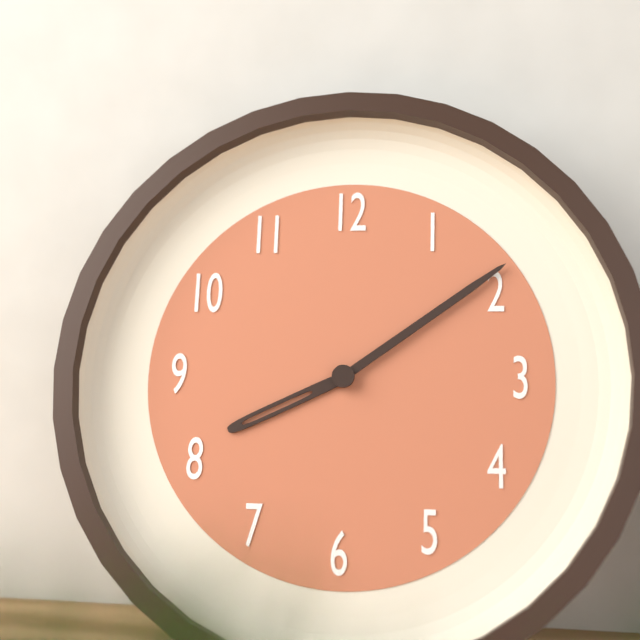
8:09
